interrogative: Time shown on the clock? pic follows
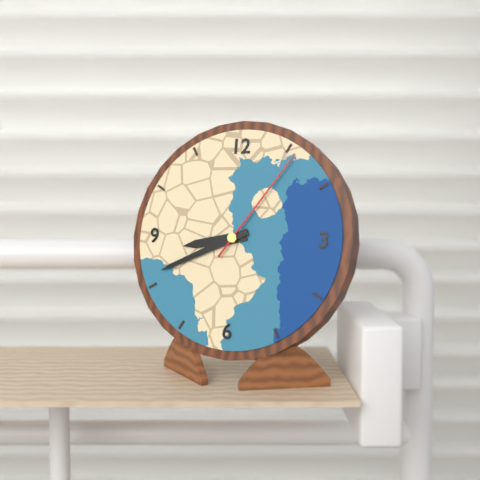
8:41:06
